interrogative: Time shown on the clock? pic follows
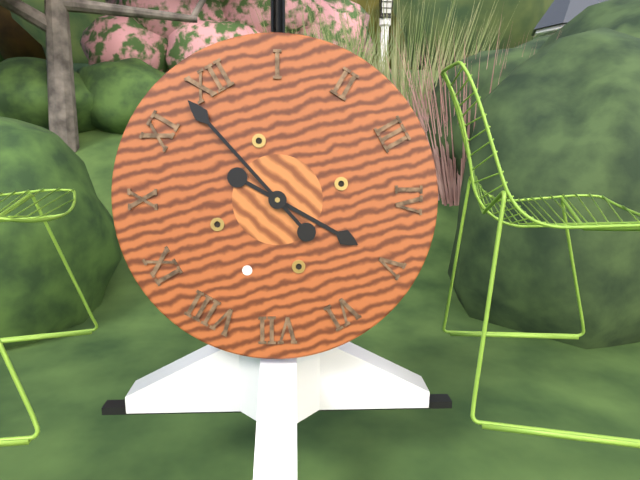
4:58
